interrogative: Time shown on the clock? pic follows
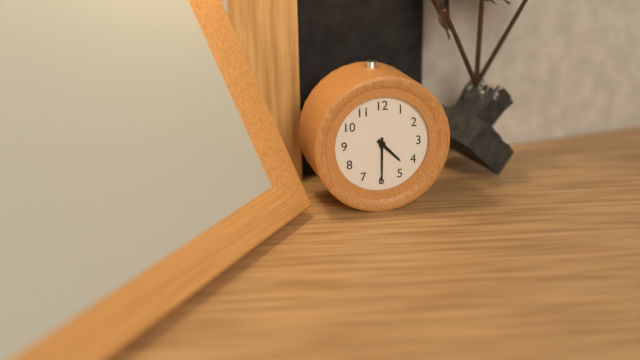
4:30
